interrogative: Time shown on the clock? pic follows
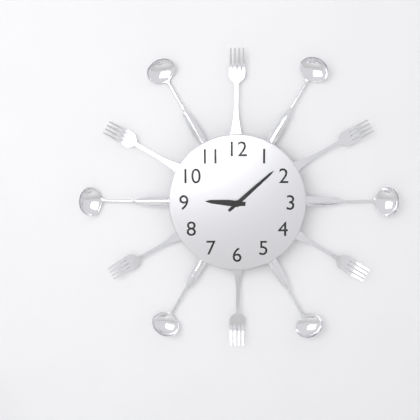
9:08
